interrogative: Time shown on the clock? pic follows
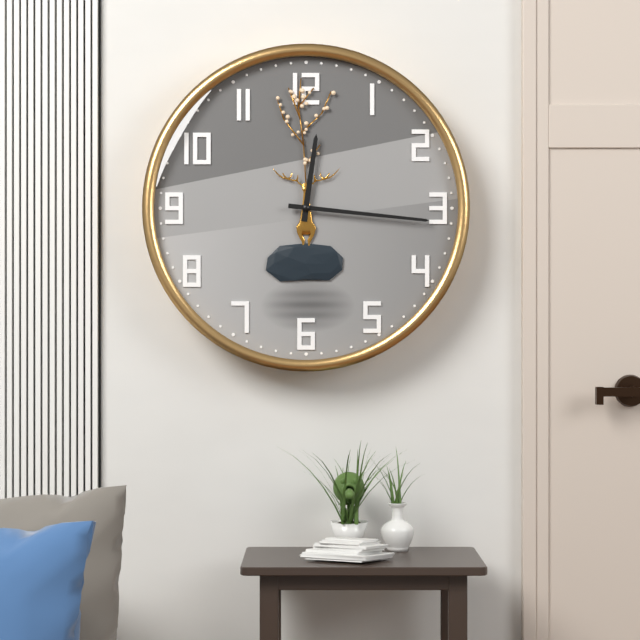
12:16
